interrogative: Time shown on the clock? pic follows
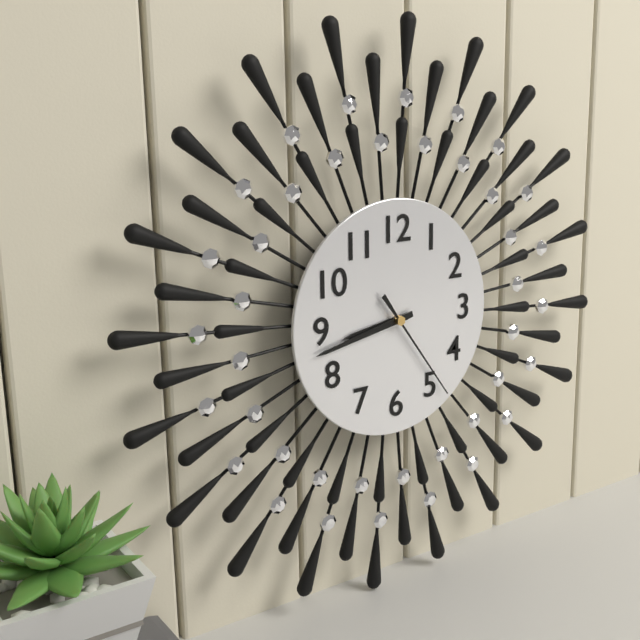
8:43:24
